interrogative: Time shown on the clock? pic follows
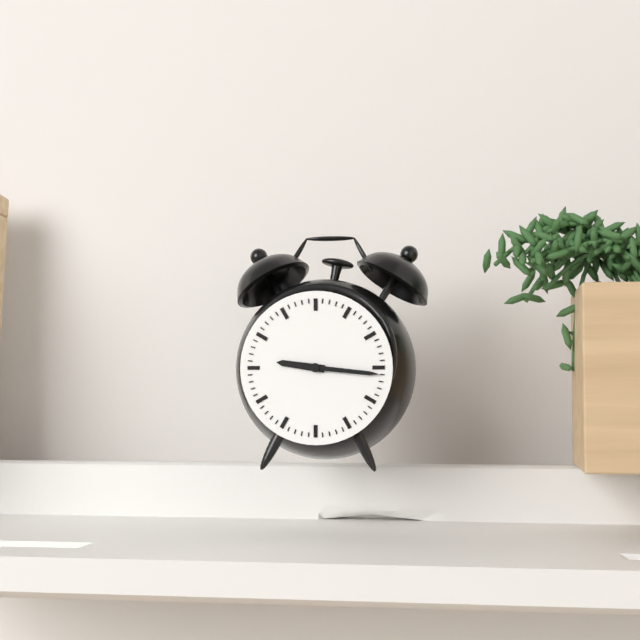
9:16
